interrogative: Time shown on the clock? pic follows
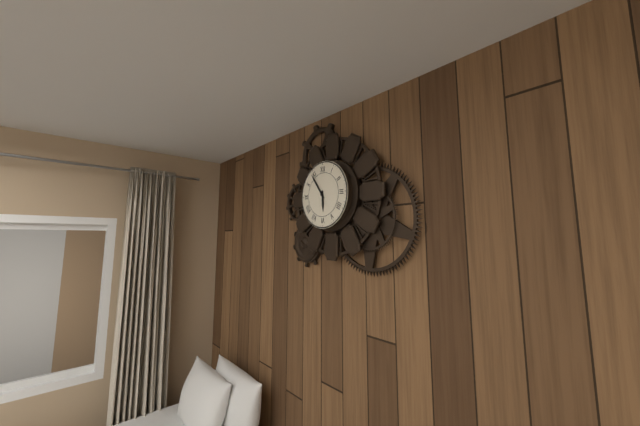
5:54
